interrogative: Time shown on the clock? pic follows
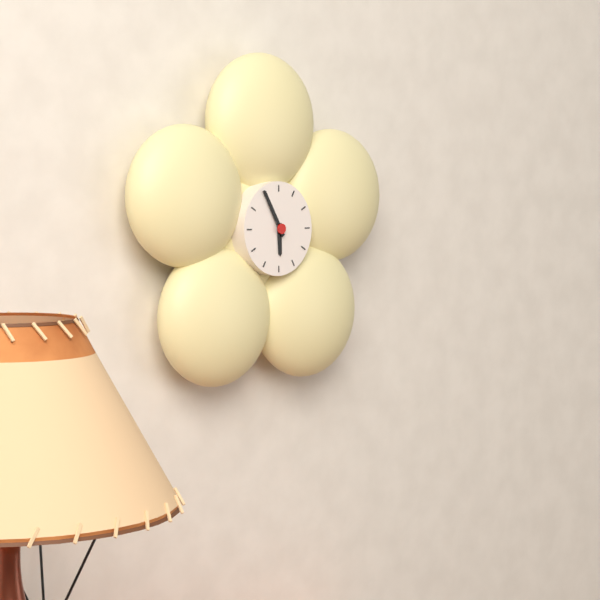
5:55
